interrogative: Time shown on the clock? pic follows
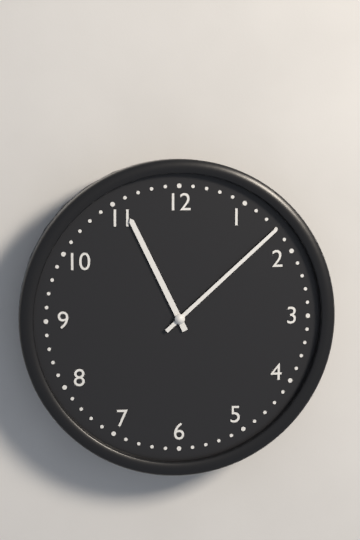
11:08
